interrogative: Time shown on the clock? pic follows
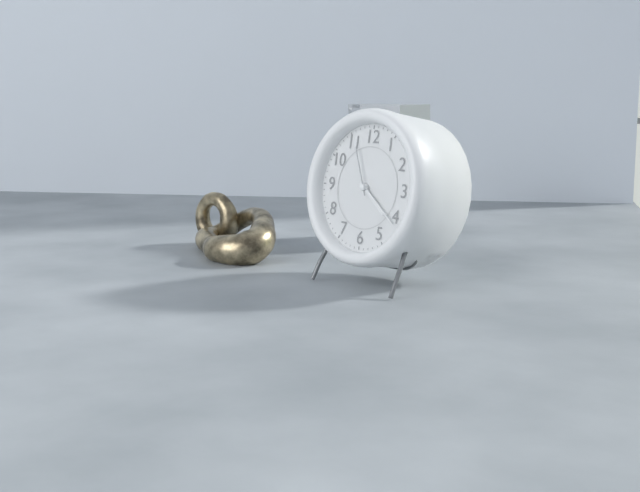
4:21:56
